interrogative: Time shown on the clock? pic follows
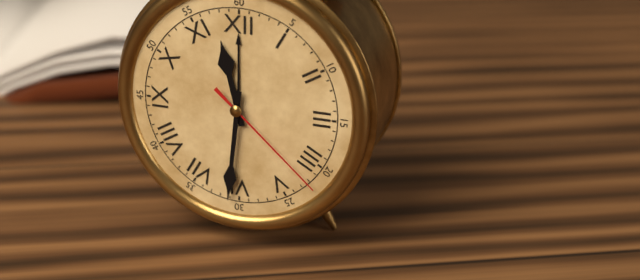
11:31:22
